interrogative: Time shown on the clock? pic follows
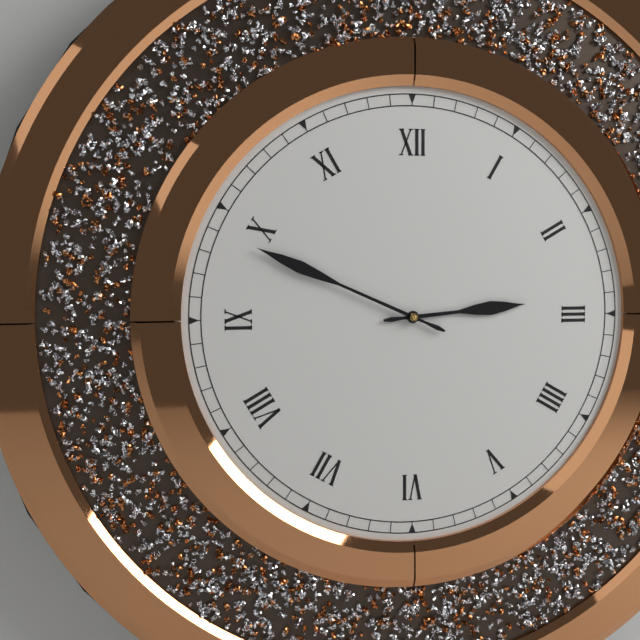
2:49
